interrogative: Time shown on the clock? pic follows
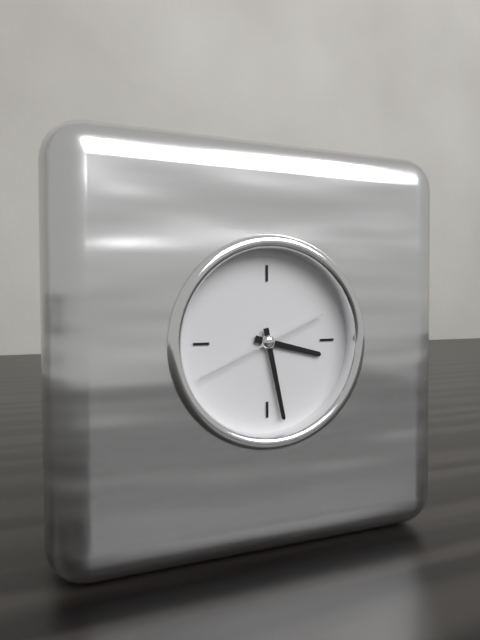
3:28:41
